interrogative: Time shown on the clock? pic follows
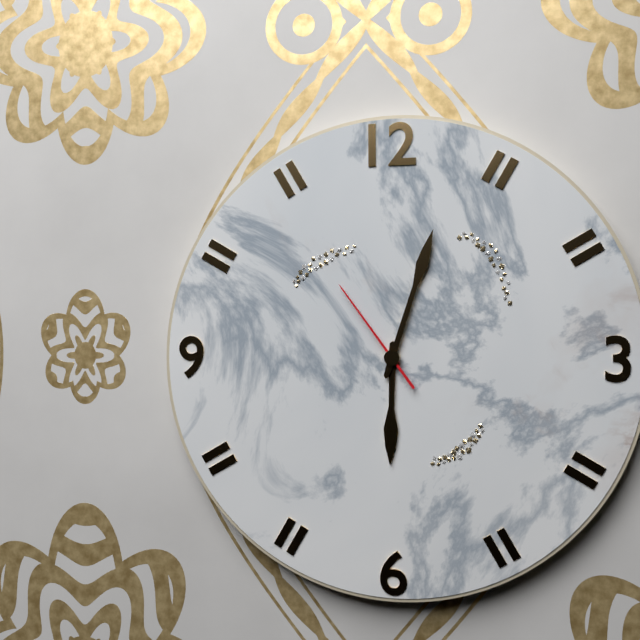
6:03:54
